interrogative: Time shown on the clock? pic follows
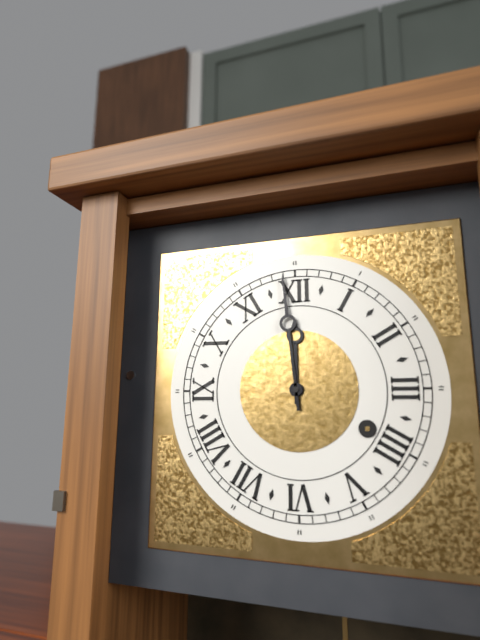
11:59
